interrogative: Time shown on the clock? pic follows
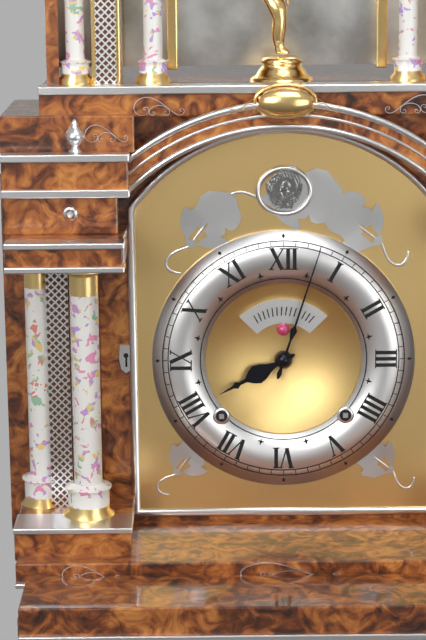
8:03
